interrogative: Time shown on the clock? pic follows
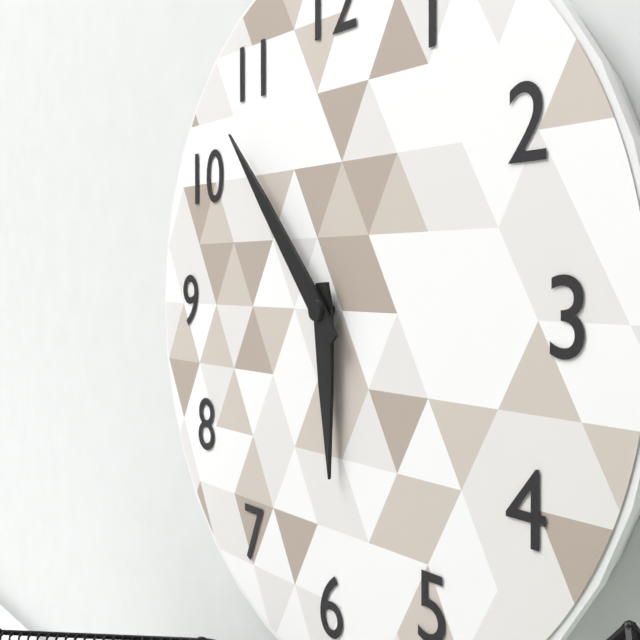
5:53
